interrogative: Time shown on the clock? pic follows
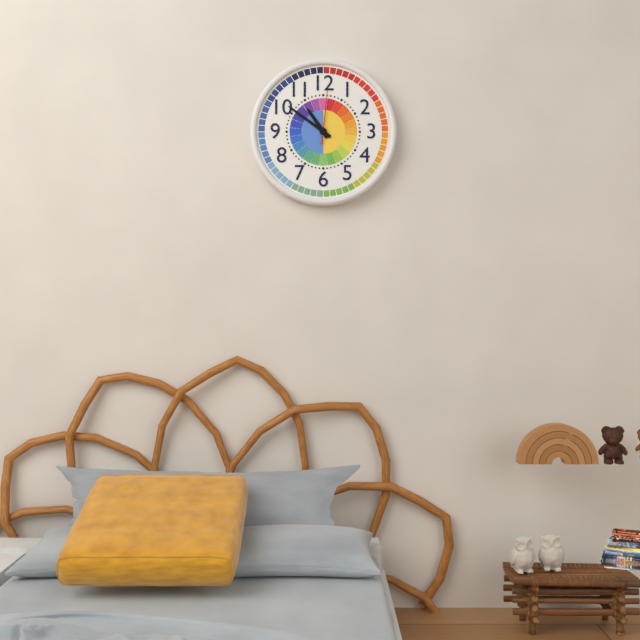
10:51:01
